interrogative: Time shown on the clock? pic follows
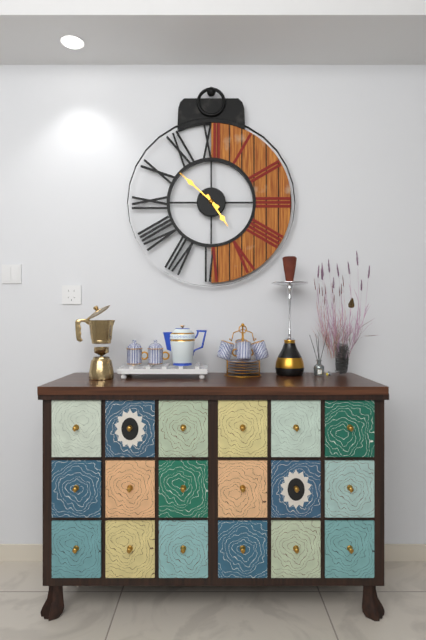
4:52
